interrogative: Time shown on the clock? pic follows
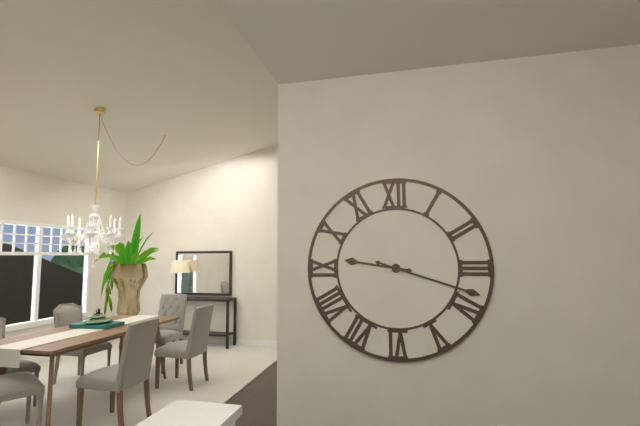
9:18
